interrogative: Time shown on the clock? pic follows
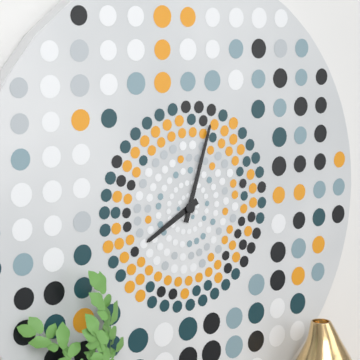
8:03
